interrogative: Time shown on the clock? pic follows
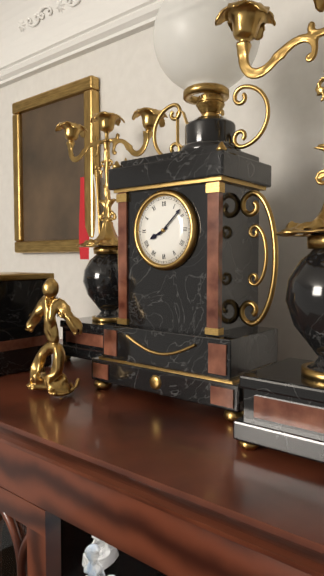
8:08
